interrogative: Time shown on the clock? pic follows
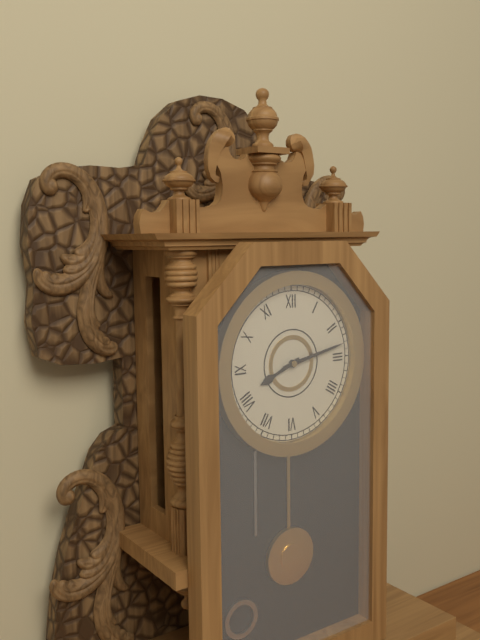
8:13
